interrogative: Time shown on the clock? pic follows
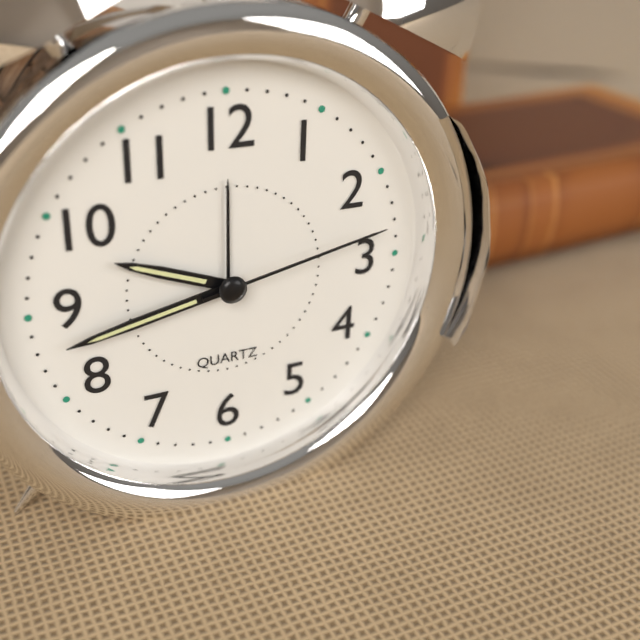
9:43:13
